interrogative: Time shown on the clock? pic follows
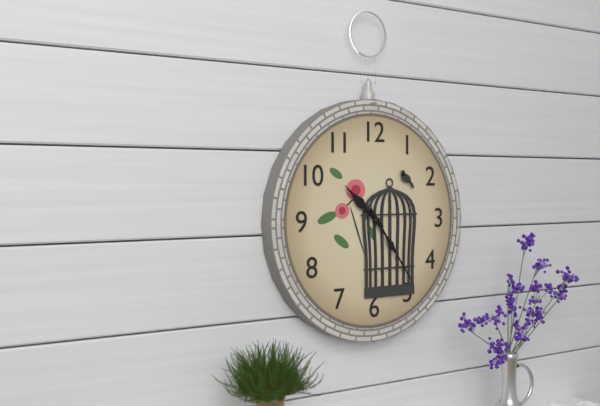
10:24
